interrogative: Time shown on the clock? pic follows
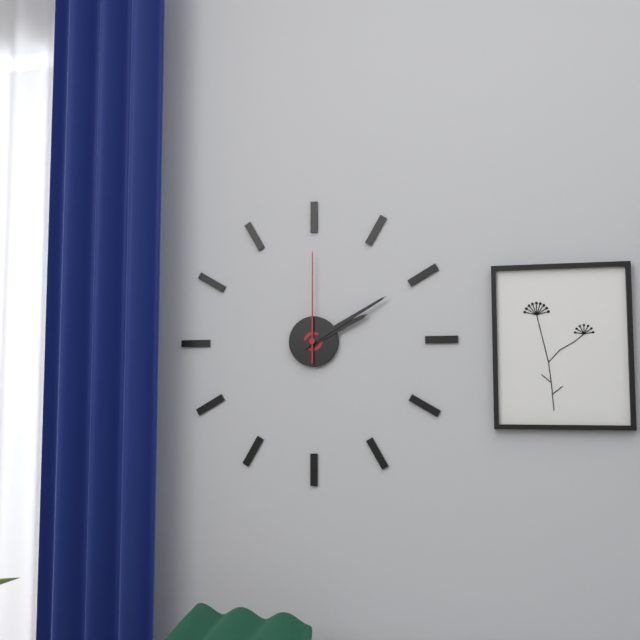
2:10:00
